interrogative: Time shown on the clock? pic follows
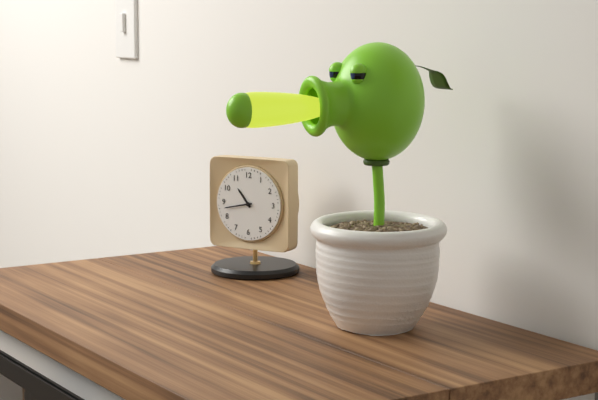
10:43
